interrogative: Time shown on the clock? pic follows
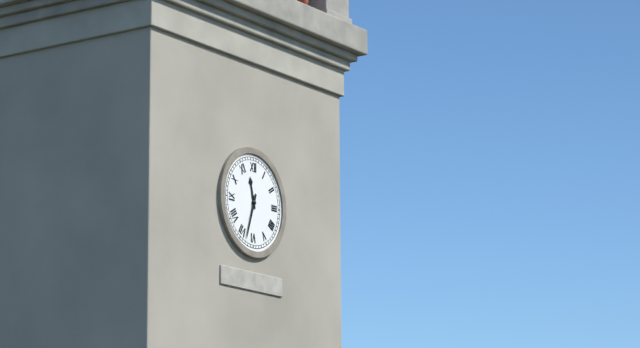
11:33
